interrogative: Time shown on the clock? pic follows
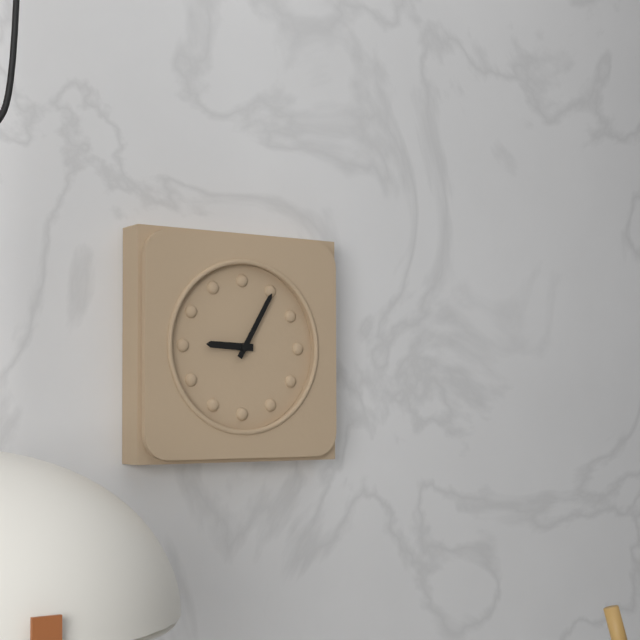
9:05
